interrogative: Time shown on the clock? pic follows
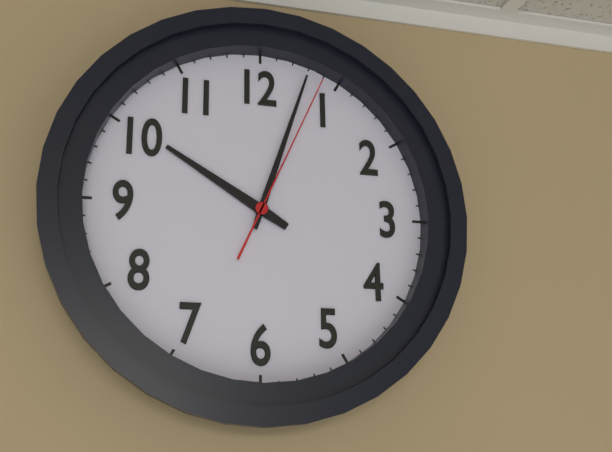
10:03:04
